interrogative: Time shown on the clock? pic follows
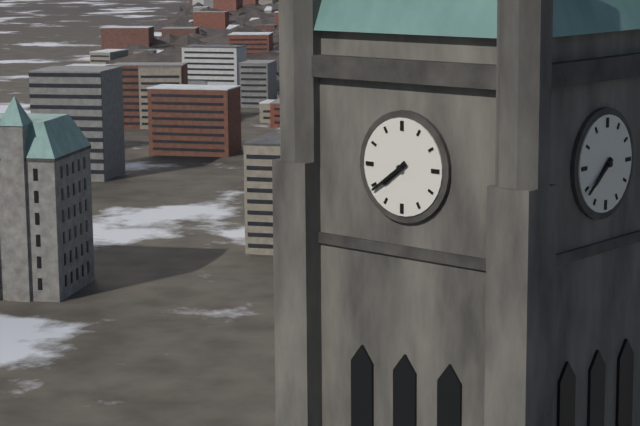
7:39
